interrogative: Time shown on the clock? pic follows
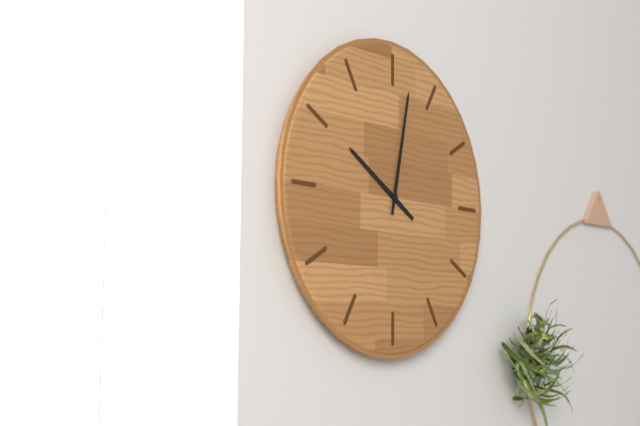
10:02
